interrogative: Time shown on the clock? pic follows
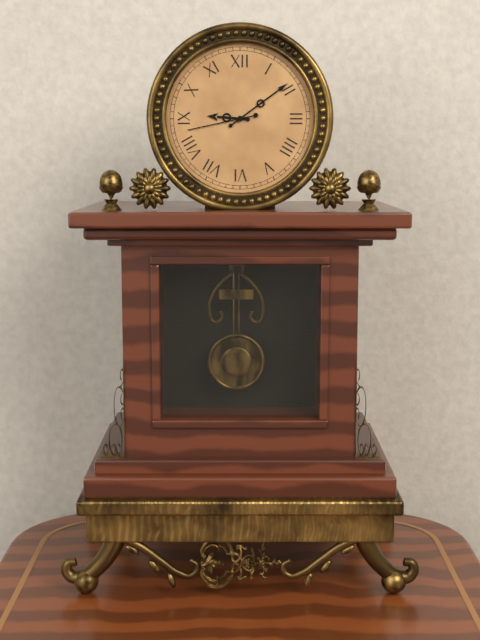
9:09:43
